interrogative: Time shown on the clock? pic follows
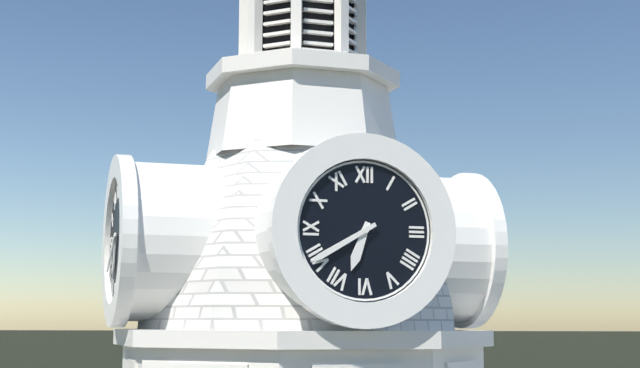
6:40
